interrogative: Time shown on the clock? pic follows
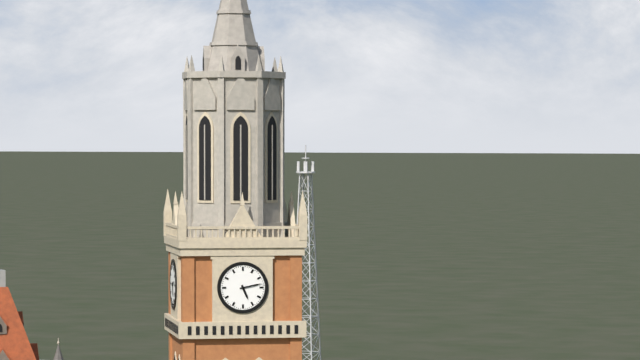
5:13
